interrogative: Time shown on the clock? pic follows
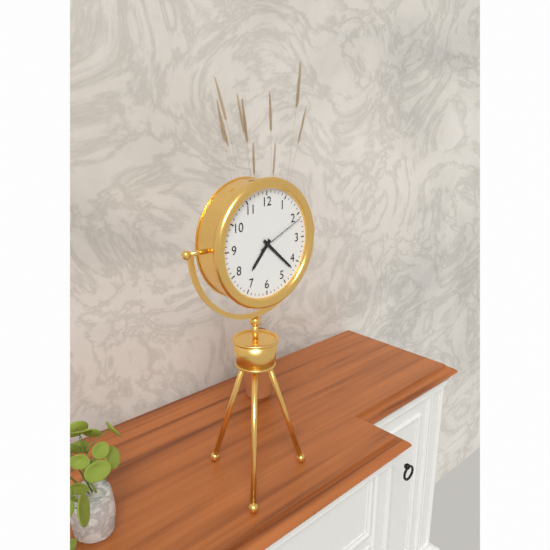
7:22:11
